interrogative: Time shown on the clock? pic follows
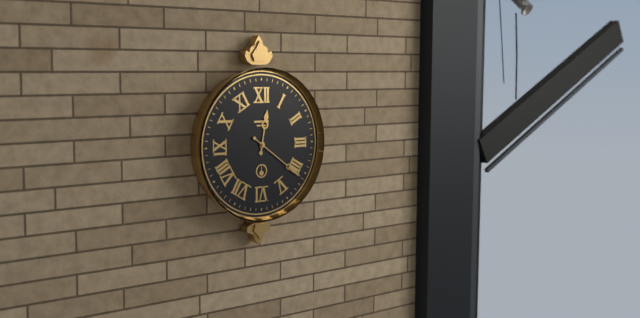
12:21
